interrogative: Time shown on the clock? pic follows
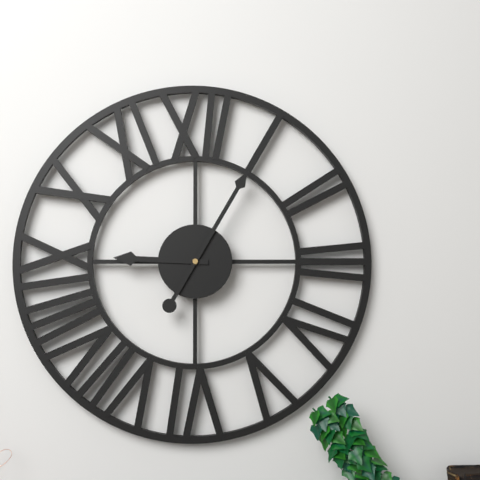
9:05
